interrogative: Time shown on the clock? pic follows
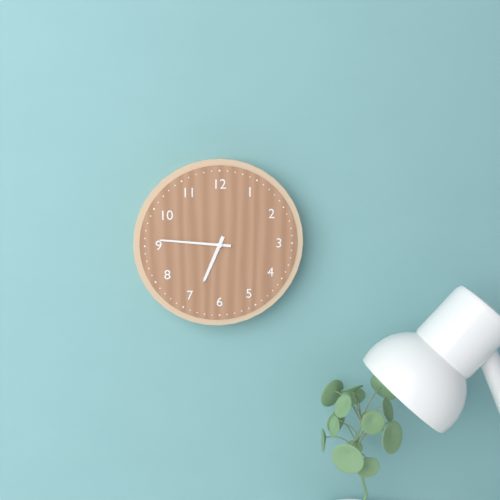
6:46
